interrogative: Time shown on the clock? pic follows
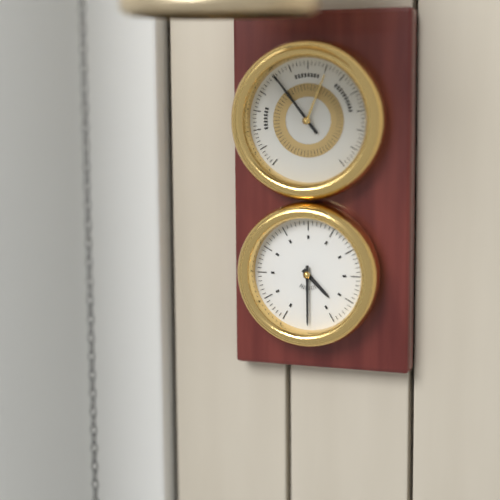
4:30
